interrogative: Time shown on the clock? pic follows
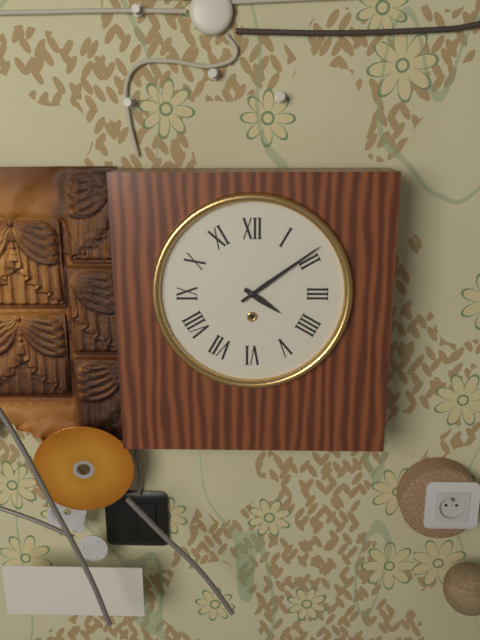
4:09
